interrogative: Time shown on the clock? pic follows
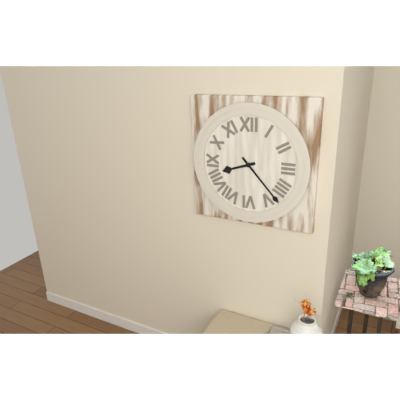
8:23
